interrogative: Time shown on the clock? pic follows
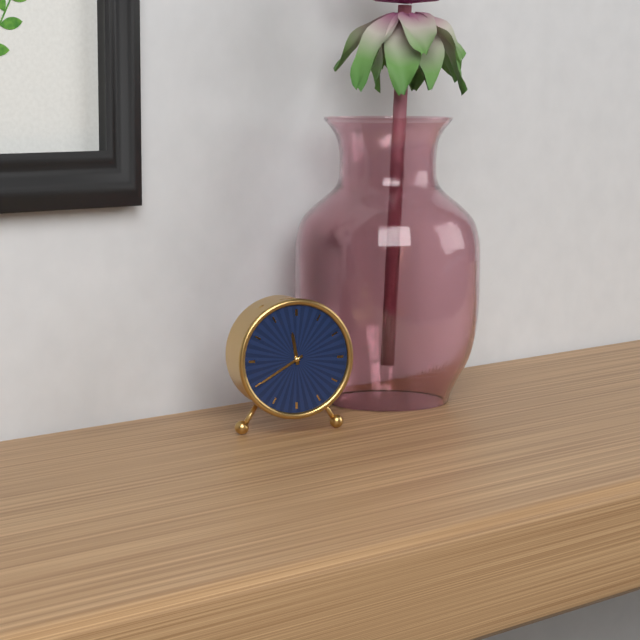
11:40
